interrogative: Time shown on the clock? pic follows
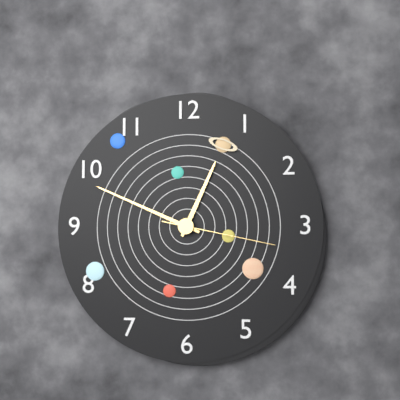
12:49:17
